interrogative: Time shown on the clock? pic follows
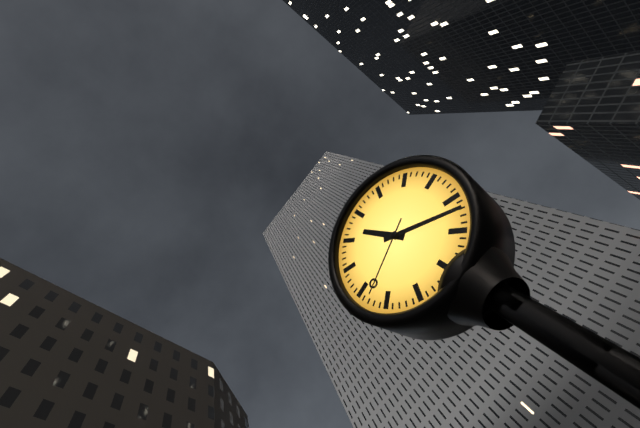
11:22:43
